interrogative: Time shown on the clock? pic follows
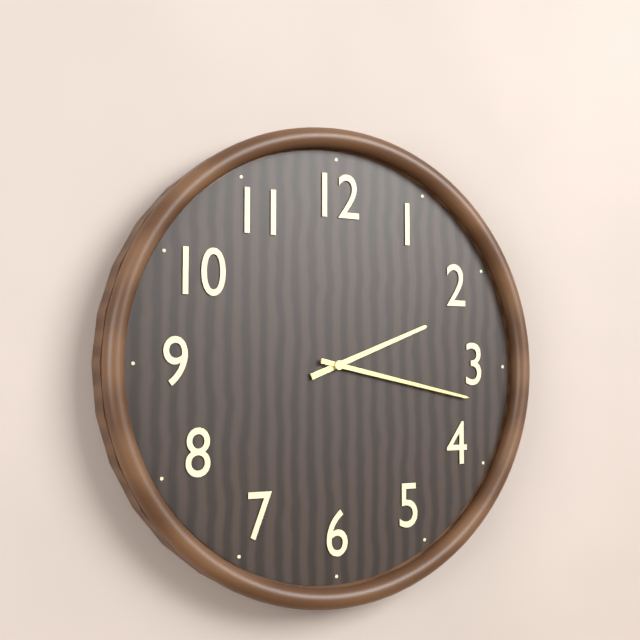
2:17
